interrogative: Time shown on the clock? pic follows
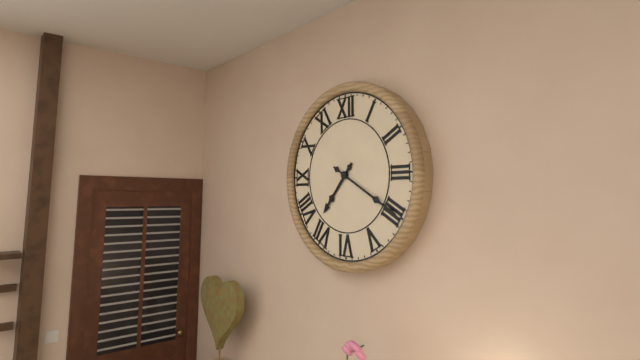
7:20
